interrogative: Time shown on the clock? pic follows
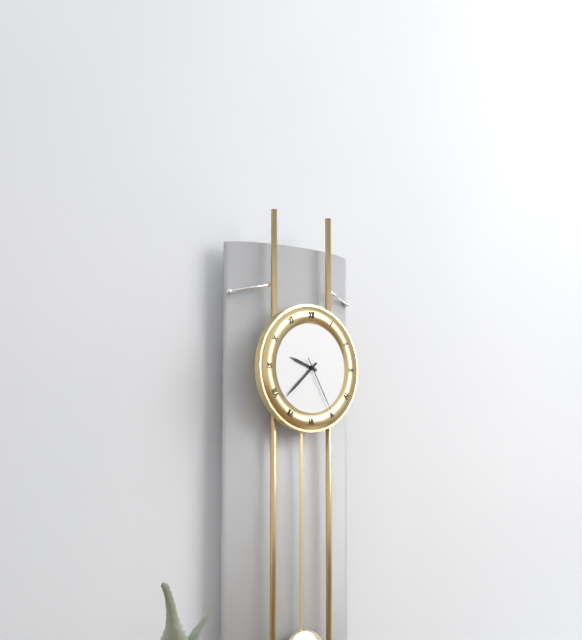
9:38:25
